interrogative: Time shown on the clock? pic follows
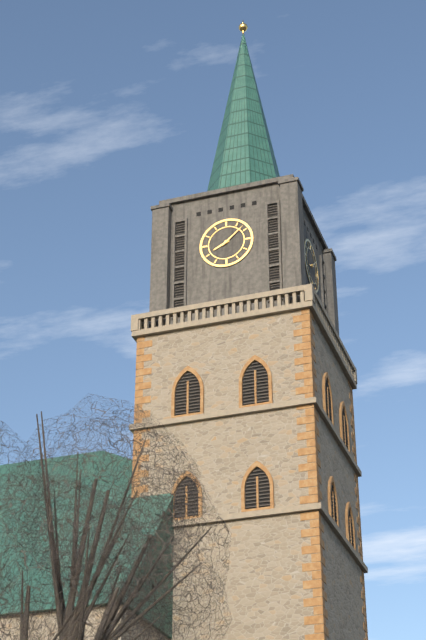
8:08
